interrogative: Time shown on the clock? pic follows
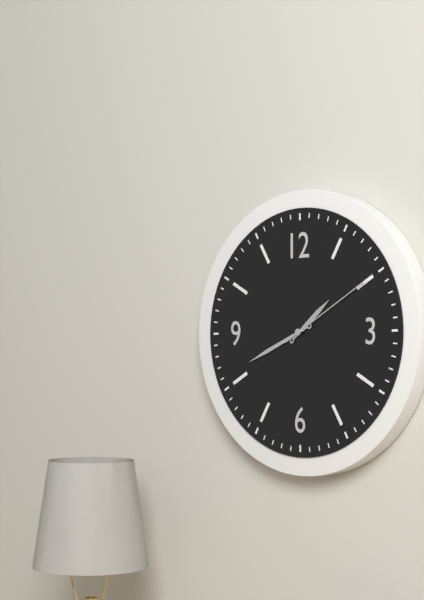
1:41:10
